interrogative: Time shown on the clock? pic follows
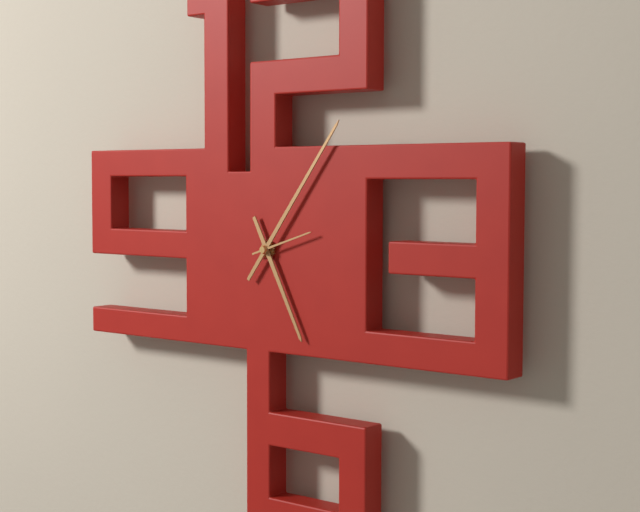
5:06:12
